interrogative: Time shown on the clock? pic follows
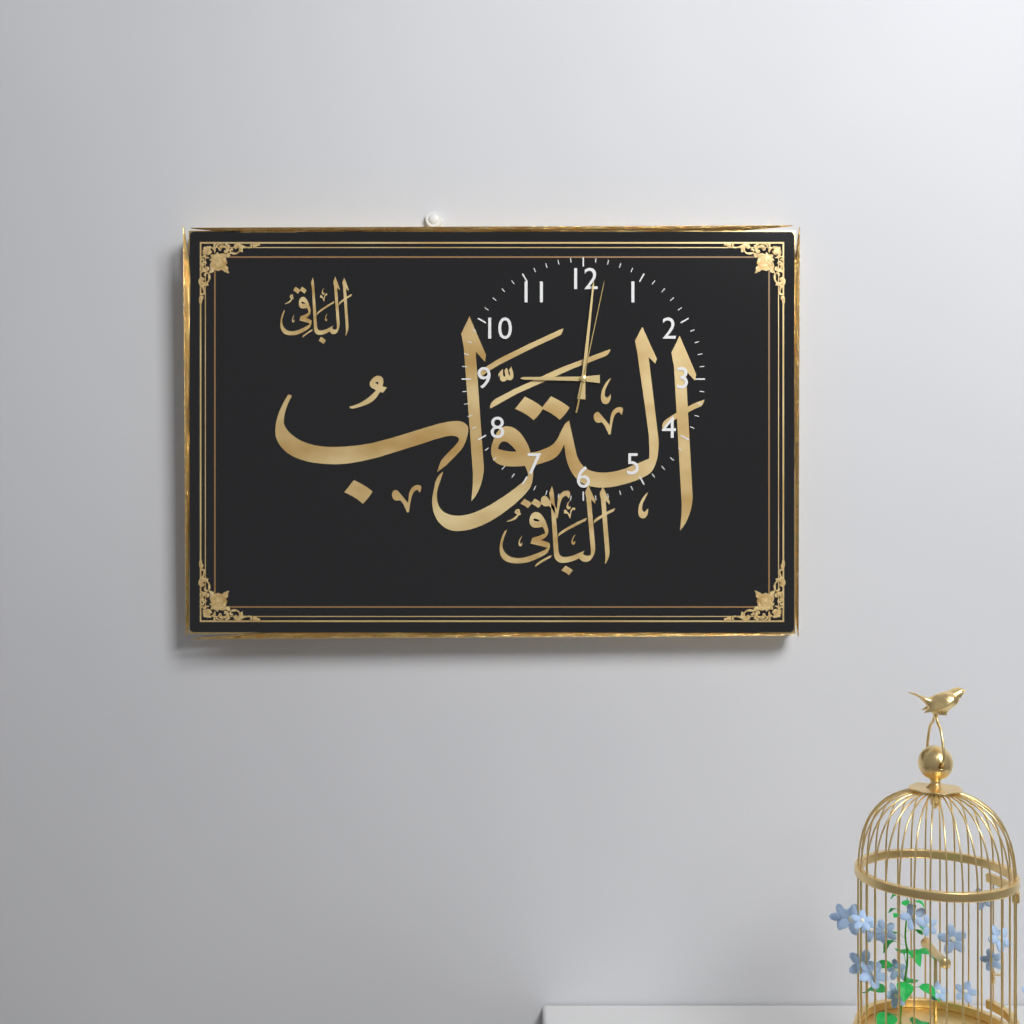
9:01:02
